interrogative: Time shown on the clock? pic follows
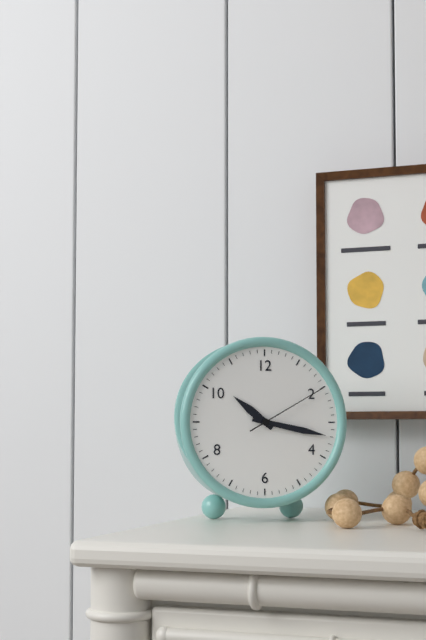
10:17:10
